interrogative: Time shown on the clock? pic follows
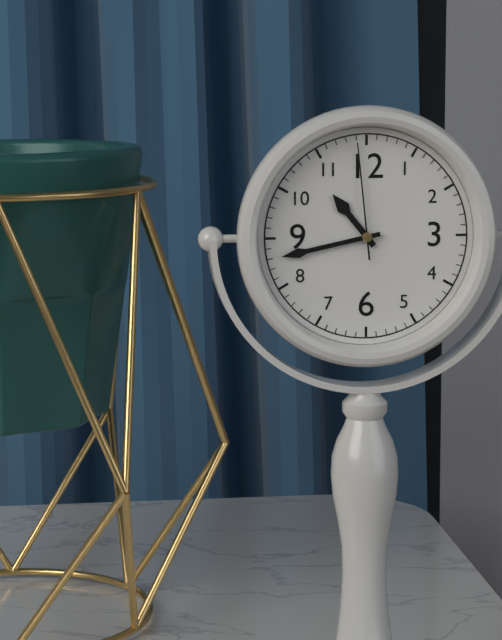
10:43:59
